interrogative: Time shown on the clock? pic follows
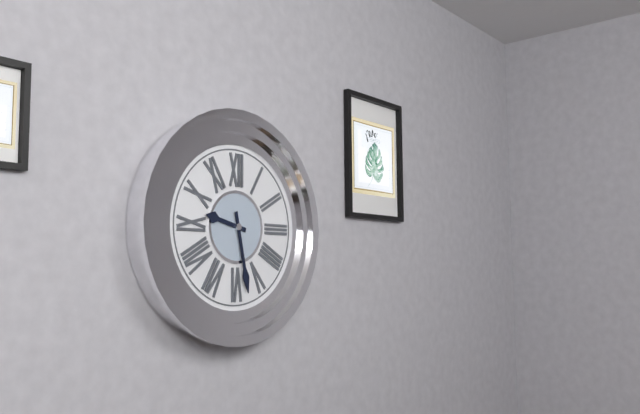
9:28
